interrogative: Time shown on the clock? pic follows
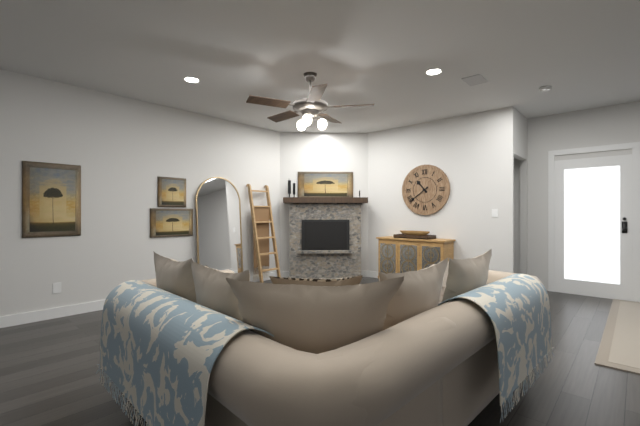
10:39
